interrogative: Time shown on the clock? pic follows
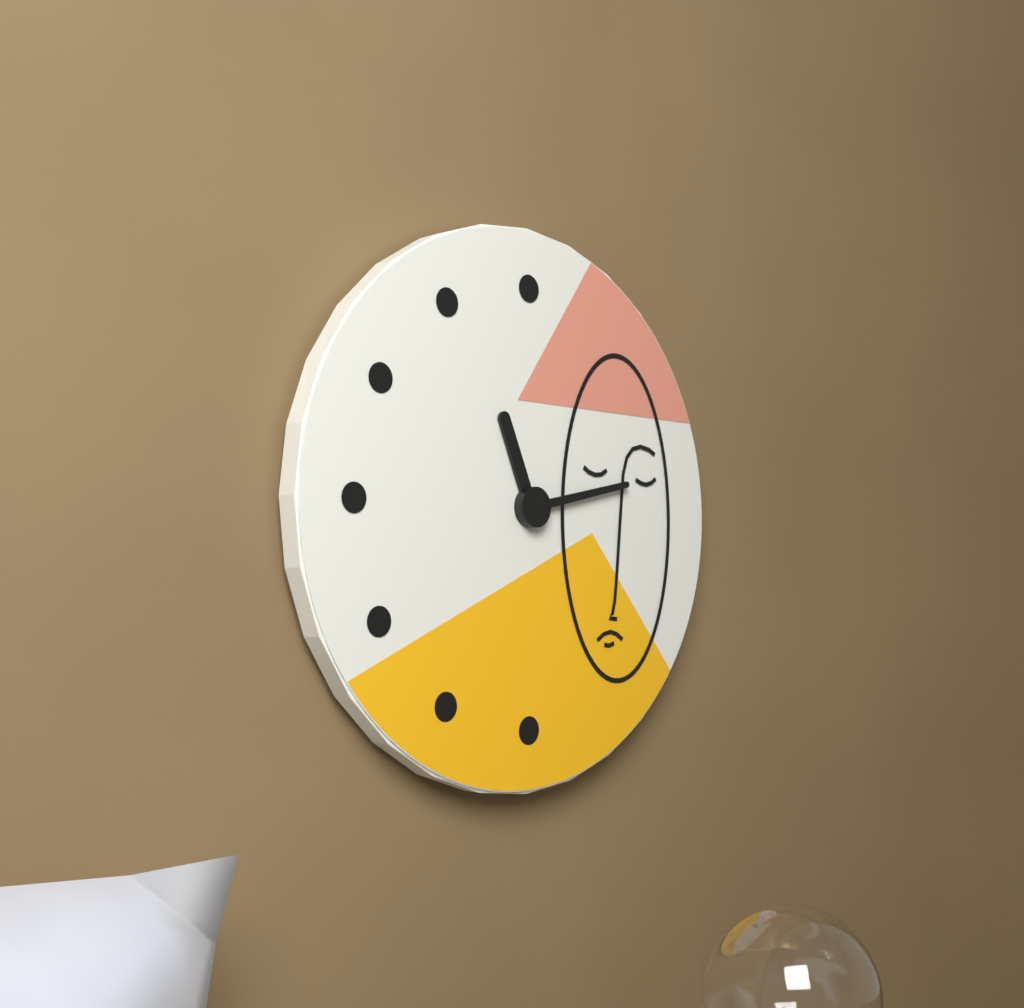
11:13
